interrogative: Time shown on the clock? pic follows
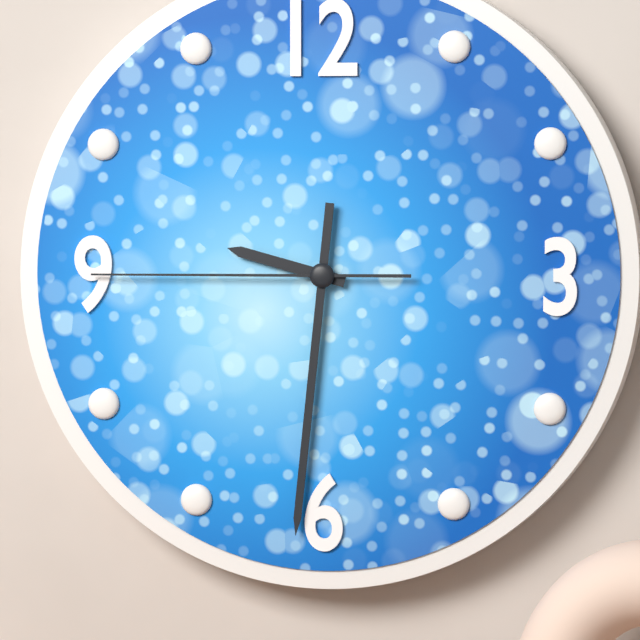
9:31:45
